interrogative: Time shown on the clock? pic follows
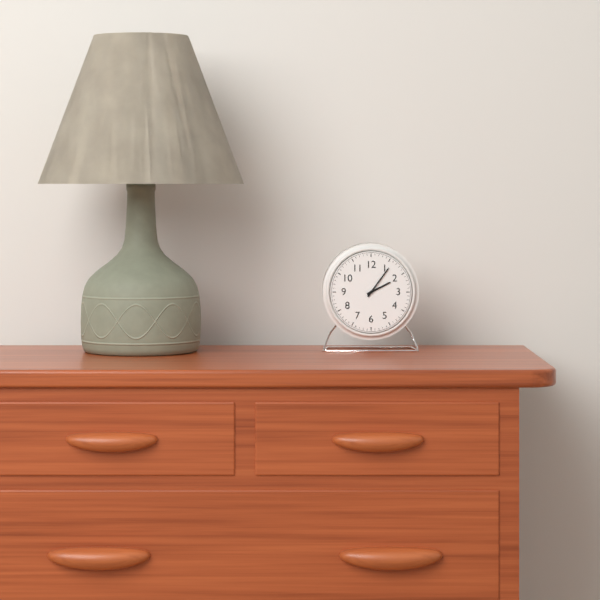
2:06
